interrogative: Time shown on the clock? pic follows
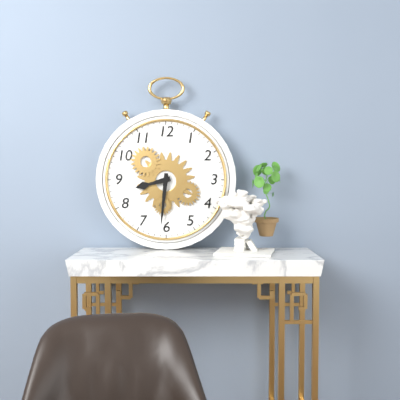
8:31
